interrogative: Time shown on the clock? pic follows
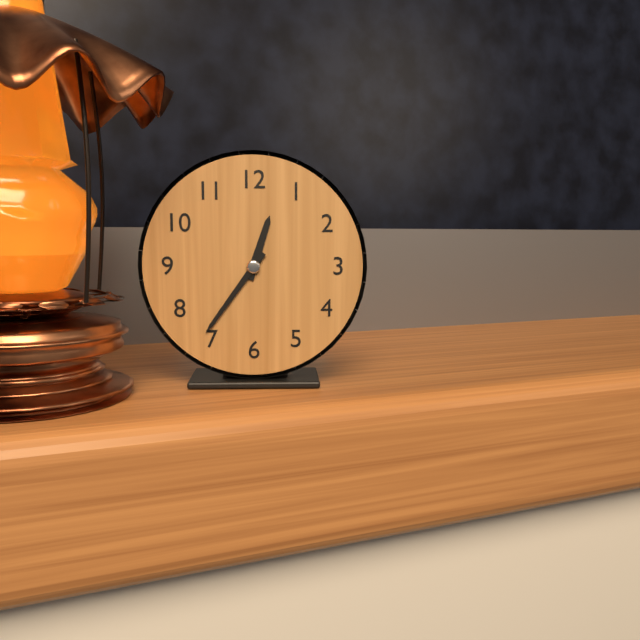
12:36
